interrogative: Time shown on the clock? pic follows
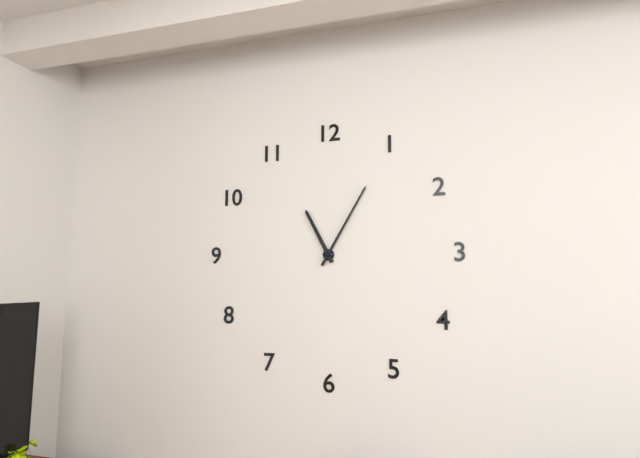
11:05
